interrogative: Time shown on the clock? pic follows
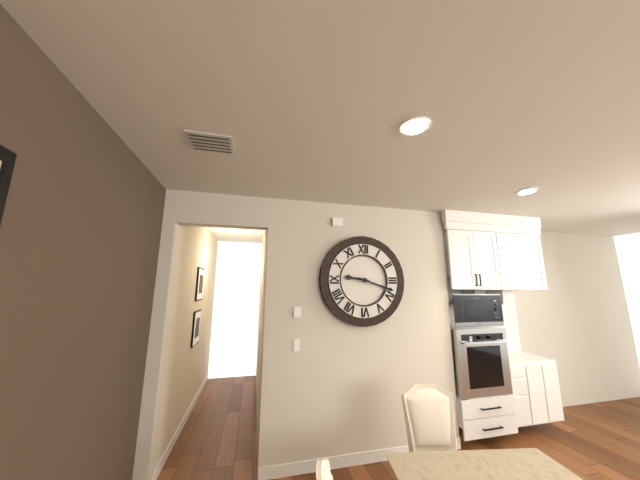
9:18
